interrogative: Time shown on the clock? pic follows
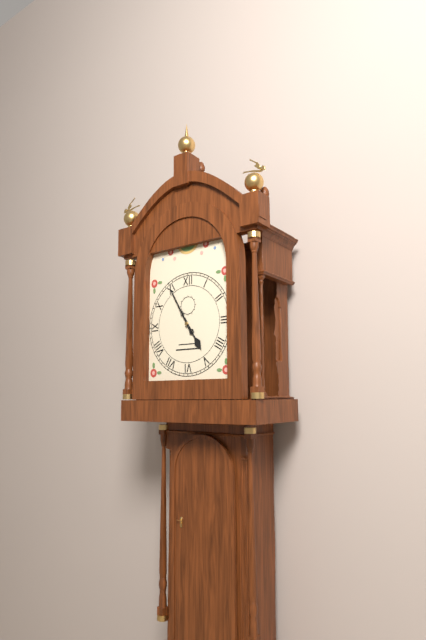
4:55
